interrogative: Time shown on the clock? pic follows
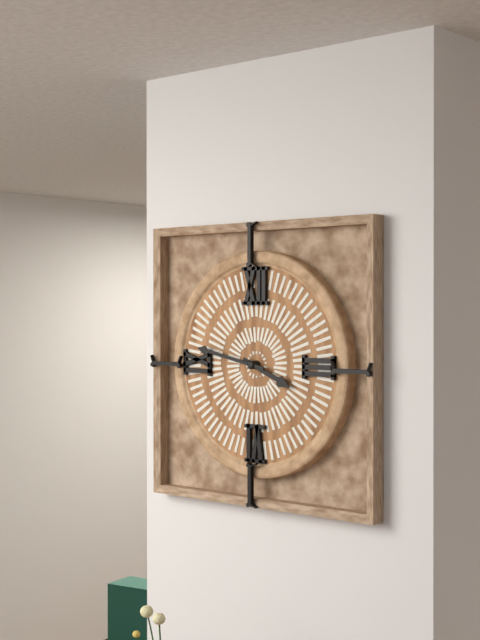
3:47
